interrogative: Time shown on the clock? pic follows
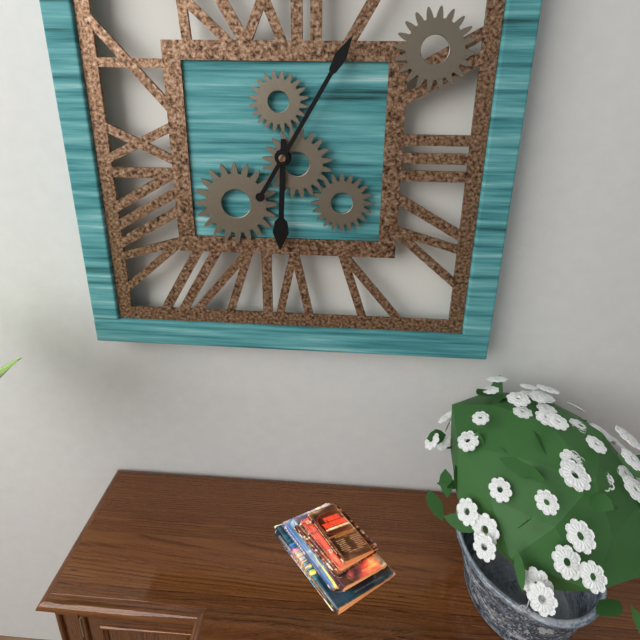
6:05
